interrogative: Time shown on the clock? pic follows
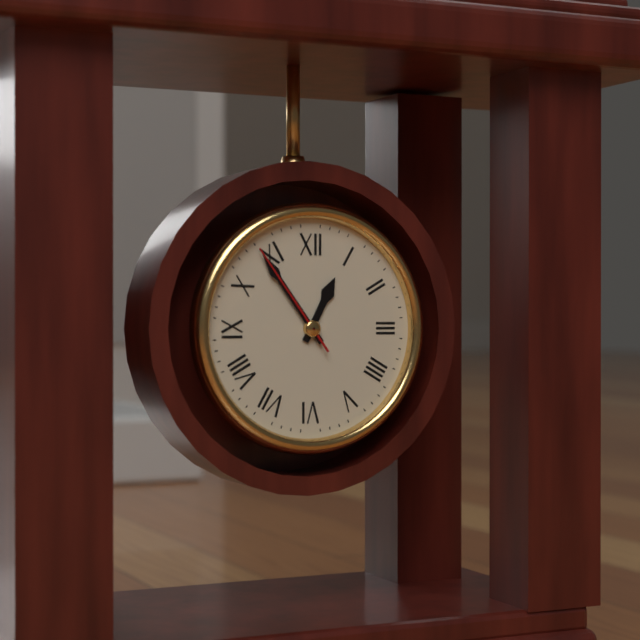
12:54:54
